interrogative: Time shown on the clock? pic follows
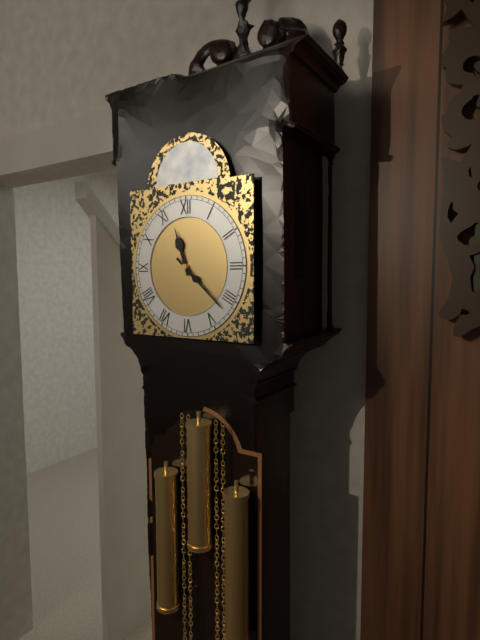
11:22
